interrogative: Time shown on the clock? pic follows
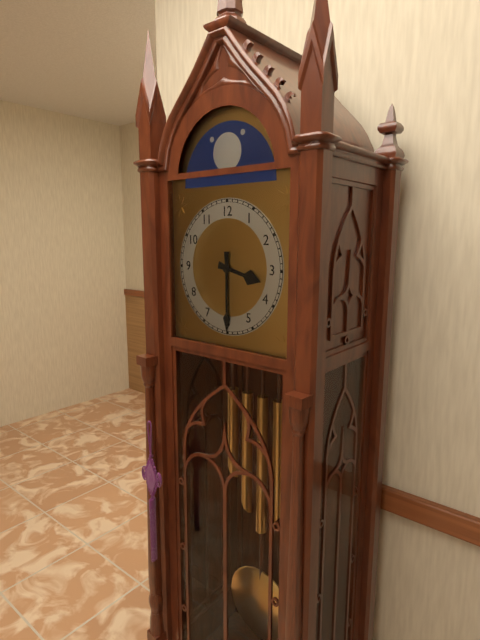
3:30
